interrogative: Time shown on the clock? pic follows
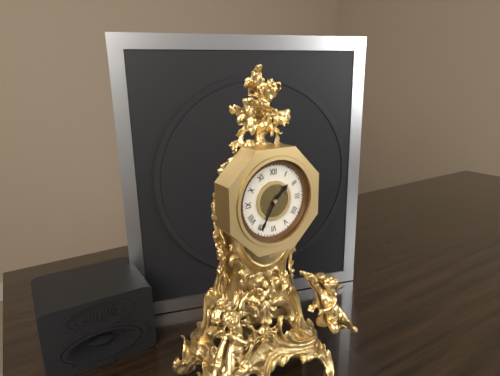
1:35
